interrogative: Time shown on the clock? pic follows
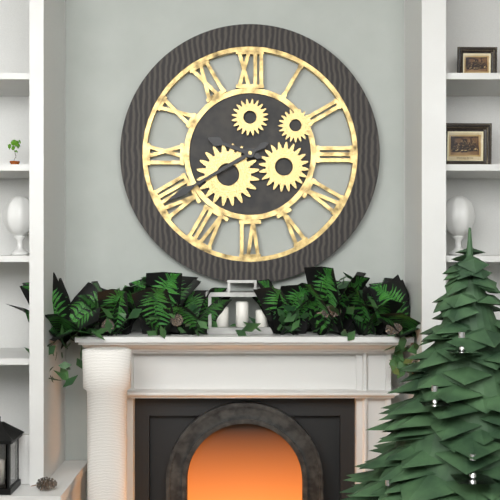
9:40
